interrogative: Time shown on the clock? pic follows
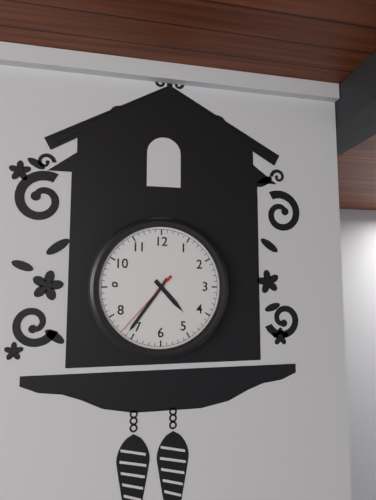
4:36:37
